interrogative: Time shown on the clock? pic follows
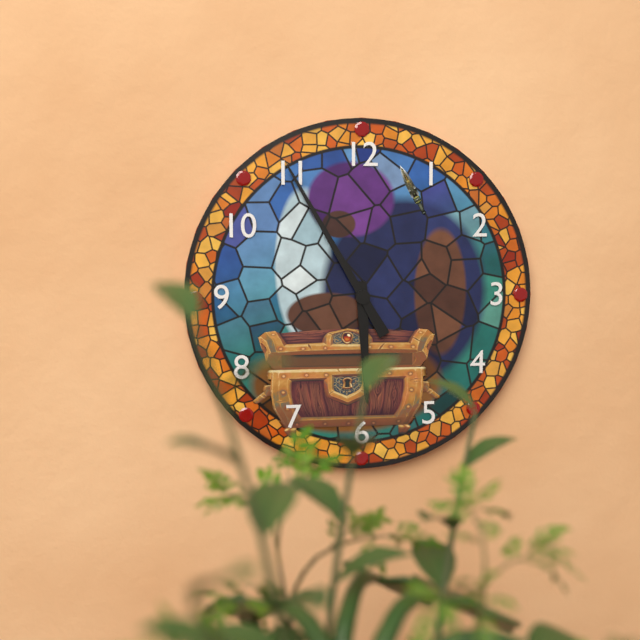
5:55
